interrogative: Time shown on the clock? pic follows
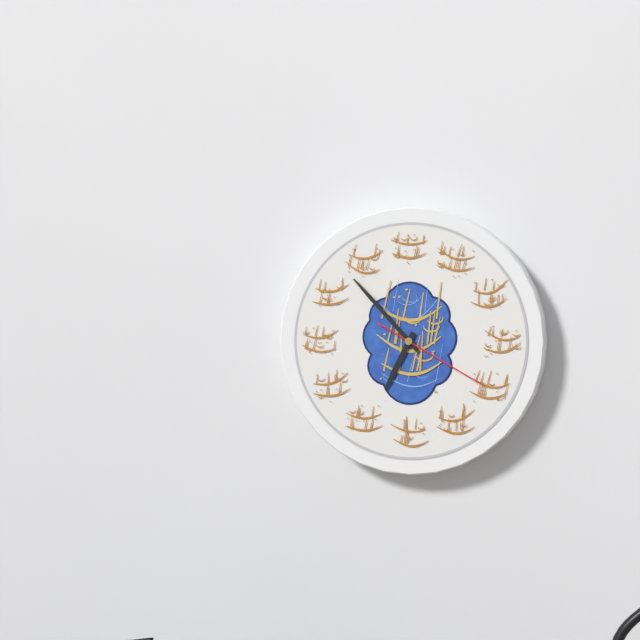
6:53:20
